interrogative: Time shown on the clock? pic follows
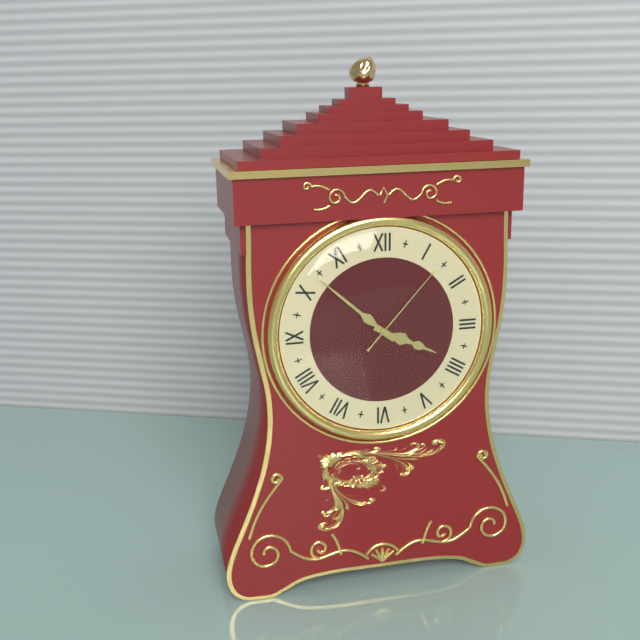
3:52:07
